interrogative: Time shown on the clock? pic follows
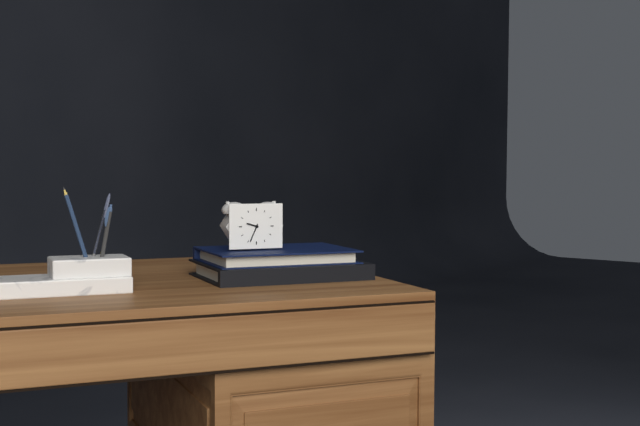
9:34
